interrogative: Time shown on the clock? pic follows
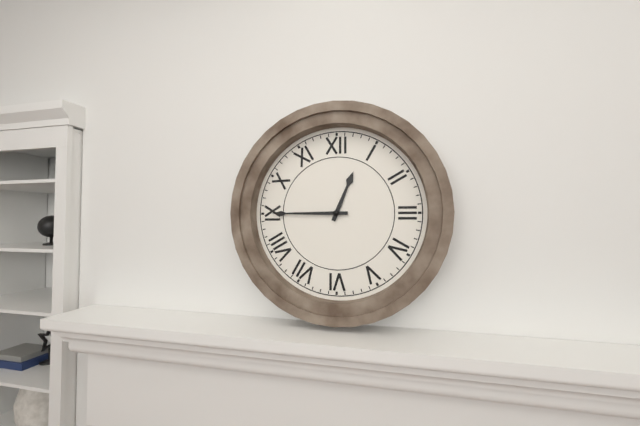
12:45
